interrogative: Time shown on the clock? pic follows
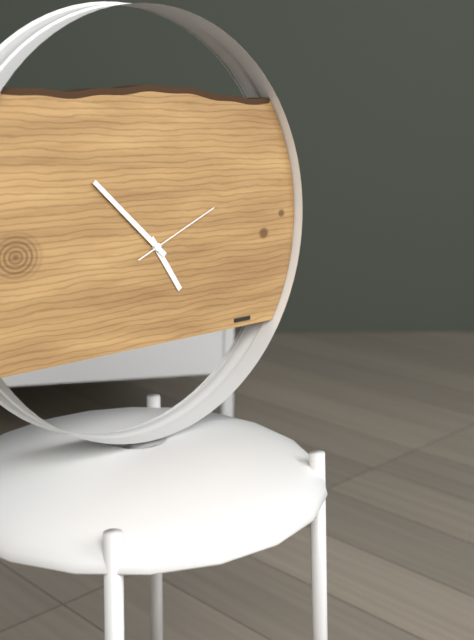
4:52:11
